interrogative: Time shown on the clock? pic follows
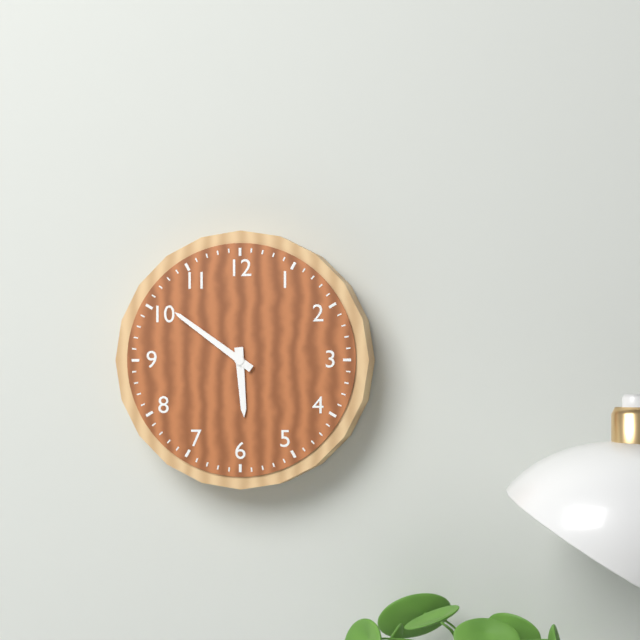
5:51
